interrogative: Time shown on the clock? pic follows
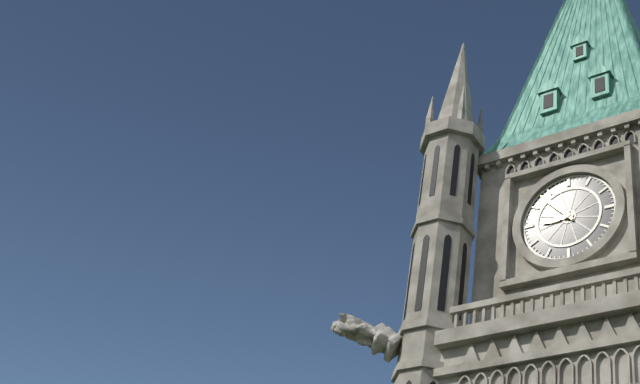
8:53
